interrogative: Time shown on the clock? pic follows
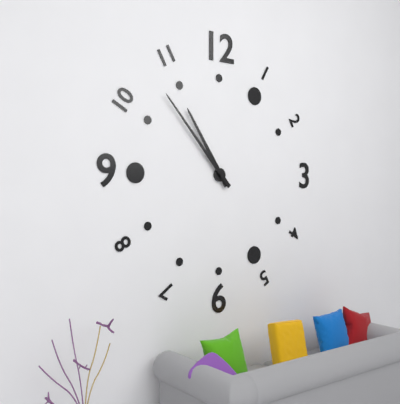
10:53
